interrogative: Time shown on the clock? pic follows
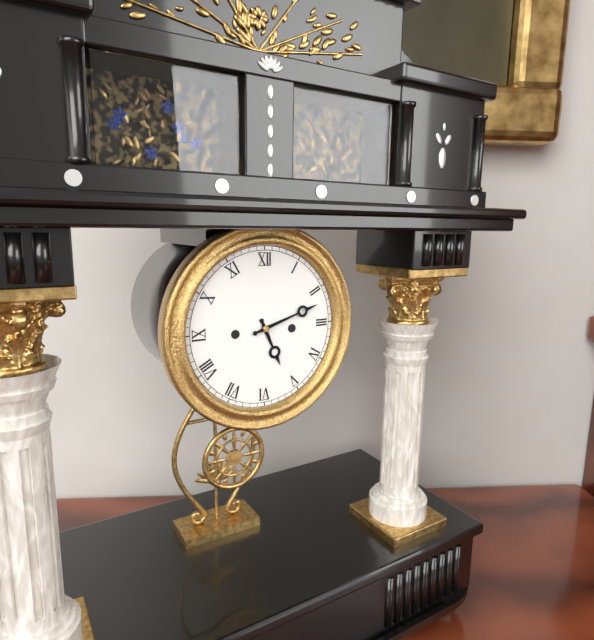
5:12
